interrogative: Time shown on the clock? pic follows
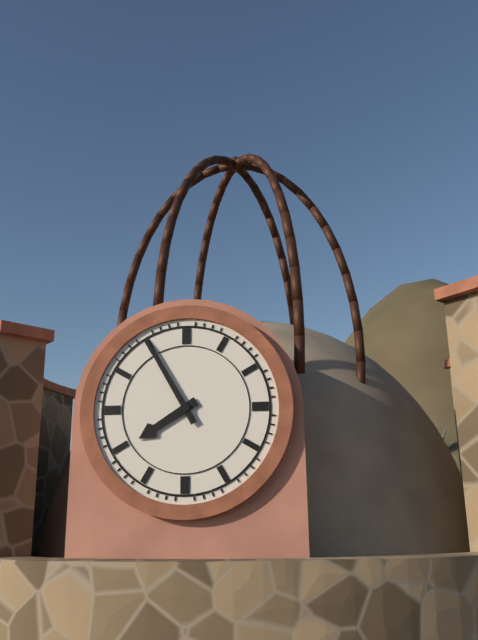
7:55
